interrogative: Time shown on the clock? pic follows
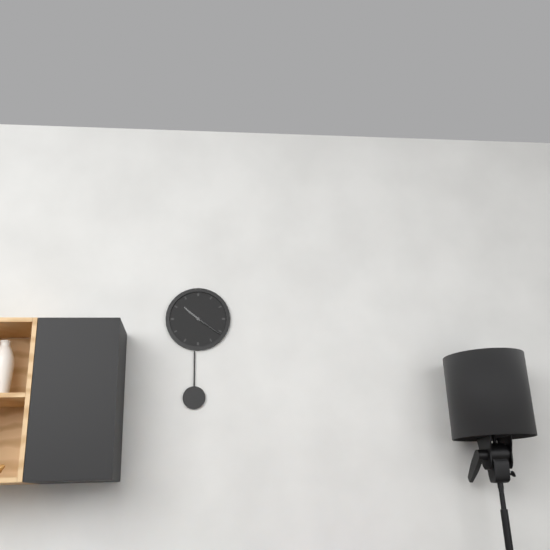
10:21
